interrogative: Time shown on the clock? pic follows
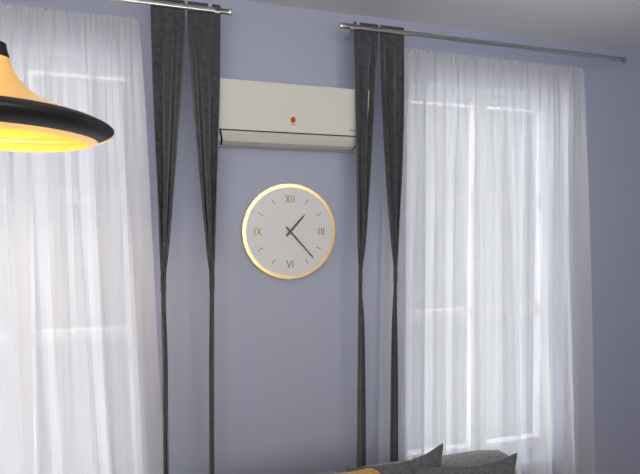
1:23
